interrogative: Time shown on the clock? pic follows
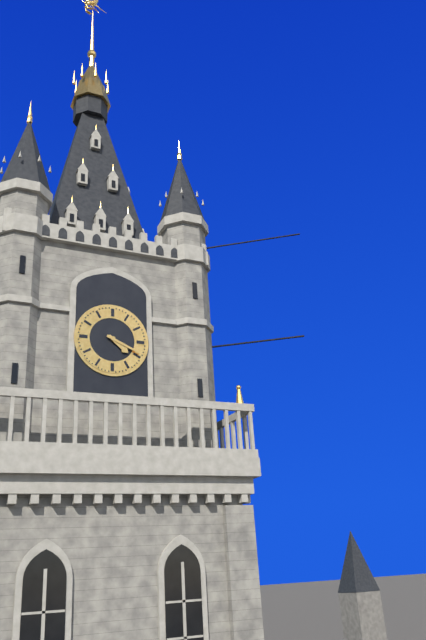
4:19
